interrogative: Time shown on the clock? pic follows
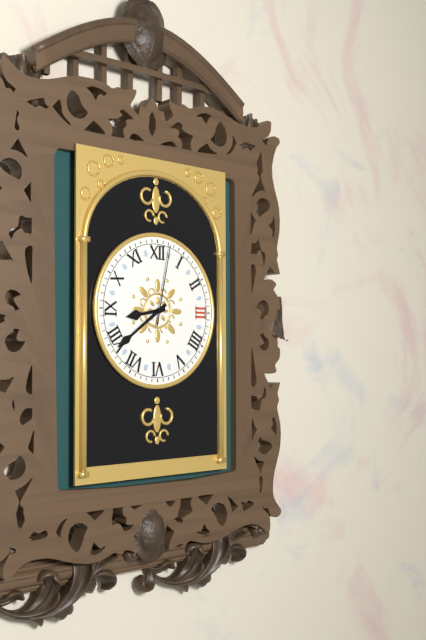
8:39:02
